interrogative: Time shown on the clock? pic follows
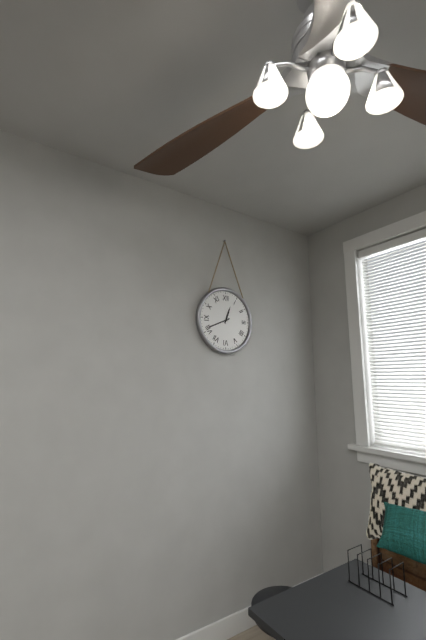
12:41
